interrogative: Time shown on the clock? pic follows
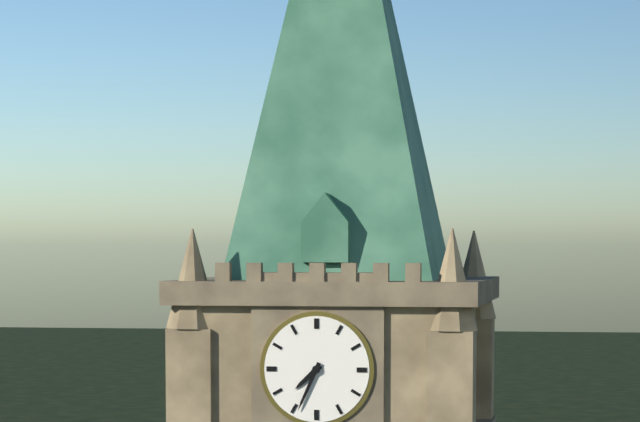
7:34
